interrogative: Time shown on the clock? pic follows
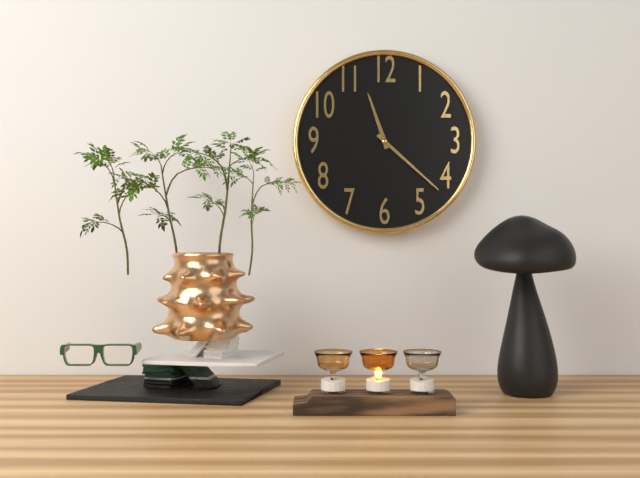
11:22
